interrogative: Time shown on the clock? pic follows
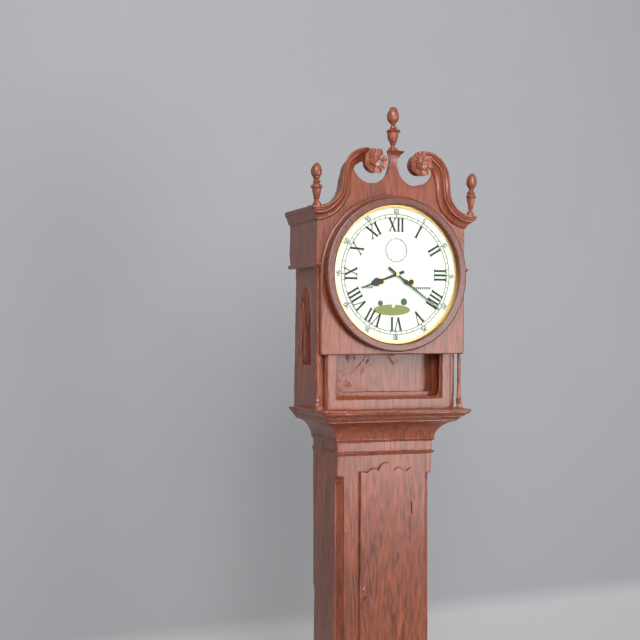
8:21
